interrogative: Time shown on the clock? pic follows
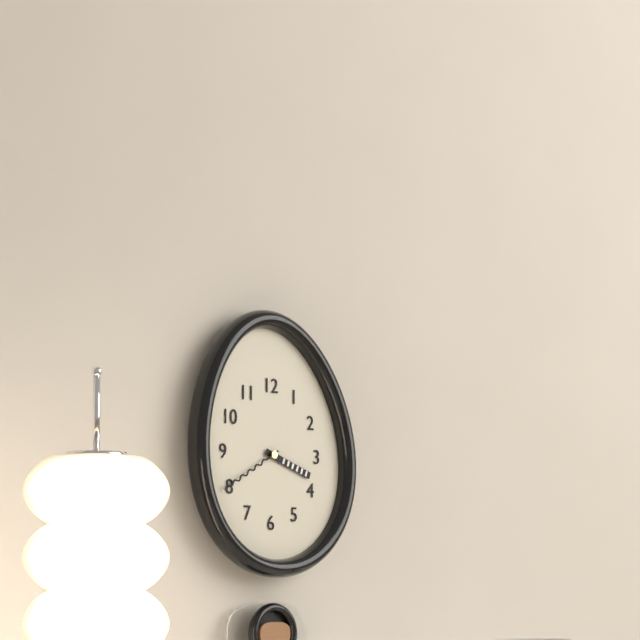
3:40
